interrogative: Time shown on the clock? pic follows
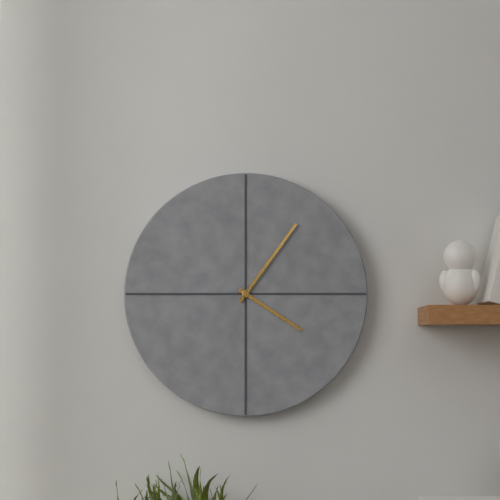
4:06
